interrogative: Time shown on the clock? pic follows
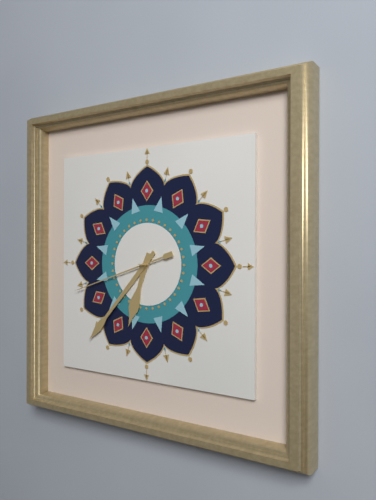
6:37:42
